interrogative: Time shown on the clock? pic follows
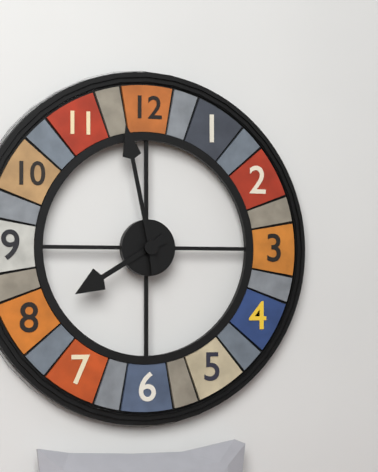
7:58
